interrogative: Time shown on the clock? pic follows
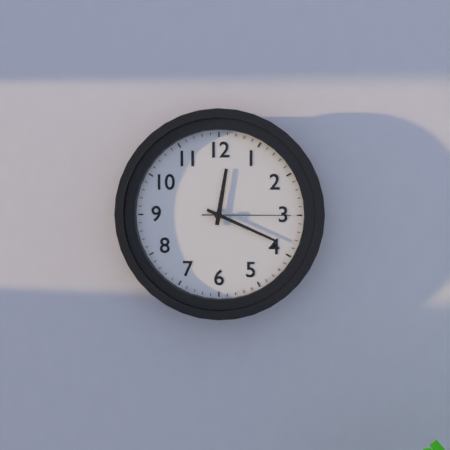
12:19:15
